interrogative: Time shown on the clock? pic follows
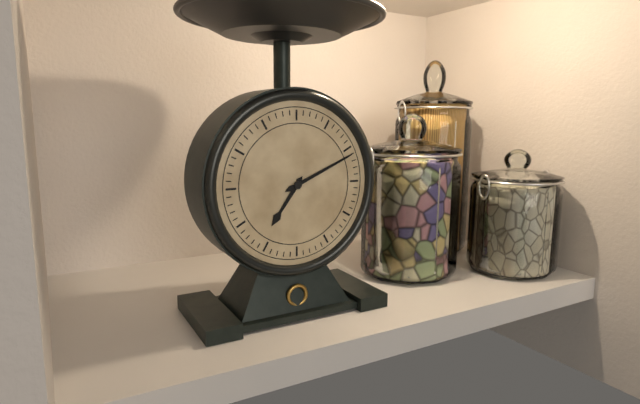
7:11
